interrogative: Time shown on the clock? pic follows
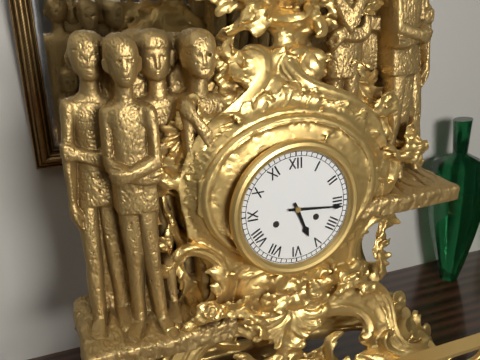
5:16
